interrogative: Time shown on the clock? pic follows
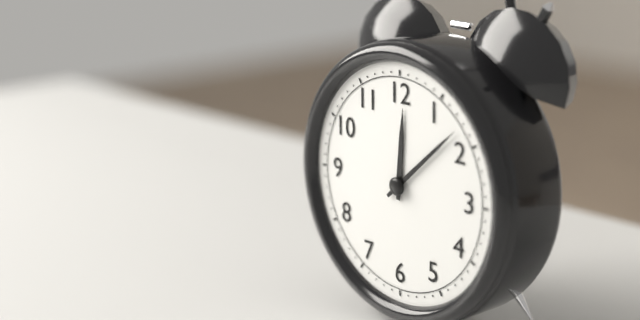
12:08
